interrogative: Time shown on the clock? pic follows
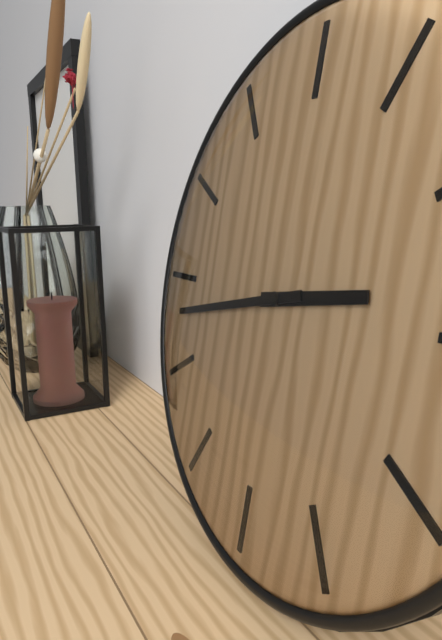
2:43
